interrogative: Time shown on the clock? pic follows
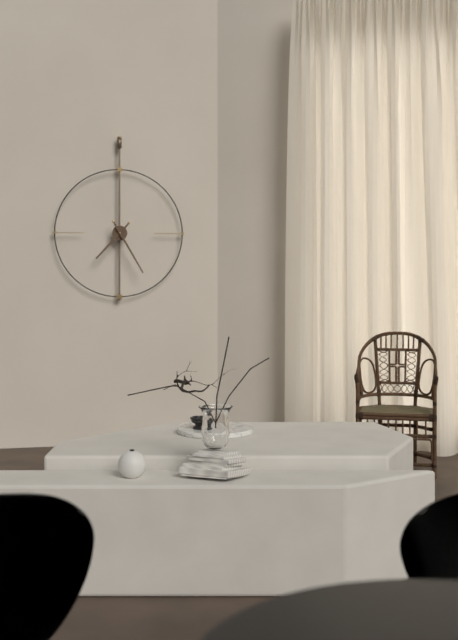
7:25
